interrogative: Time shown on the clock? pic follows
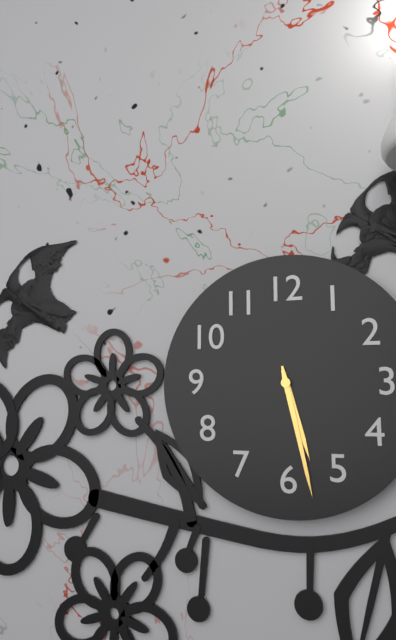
5:28
